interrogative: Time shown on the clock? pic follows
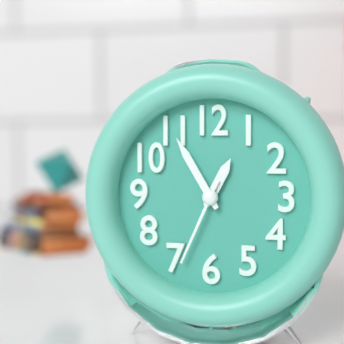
12:55:34
